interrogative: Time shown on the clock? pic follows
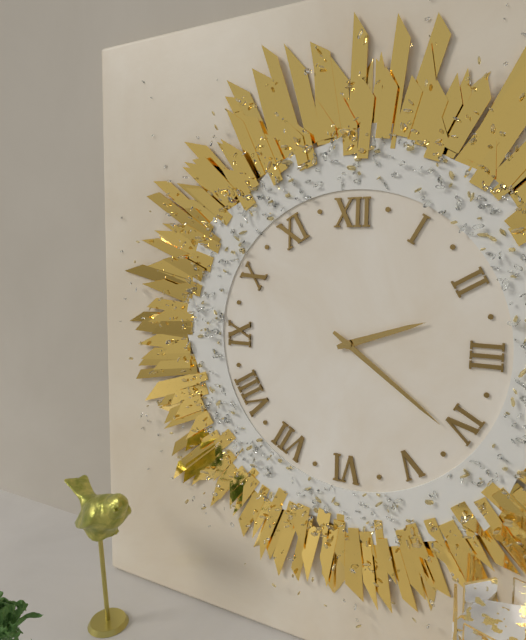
2:21
